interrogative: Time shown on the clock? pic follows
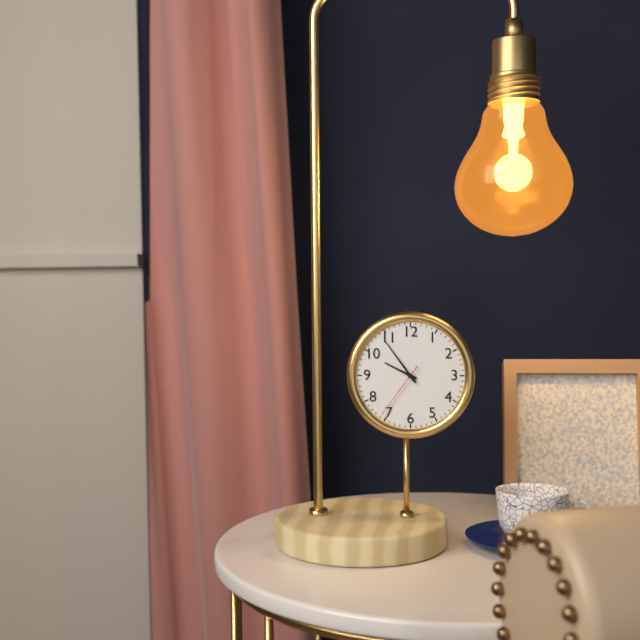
9:54:36
